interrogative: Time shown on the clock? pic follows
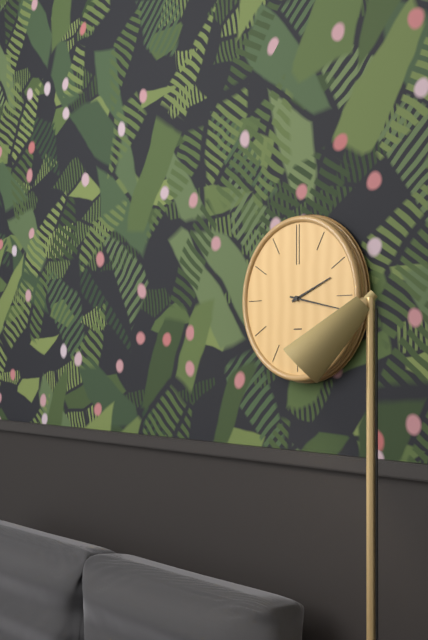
2:17
